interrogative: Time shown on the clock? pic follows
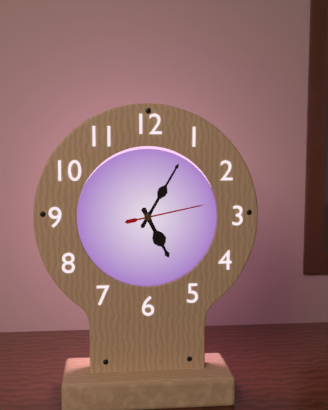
5:05:13
